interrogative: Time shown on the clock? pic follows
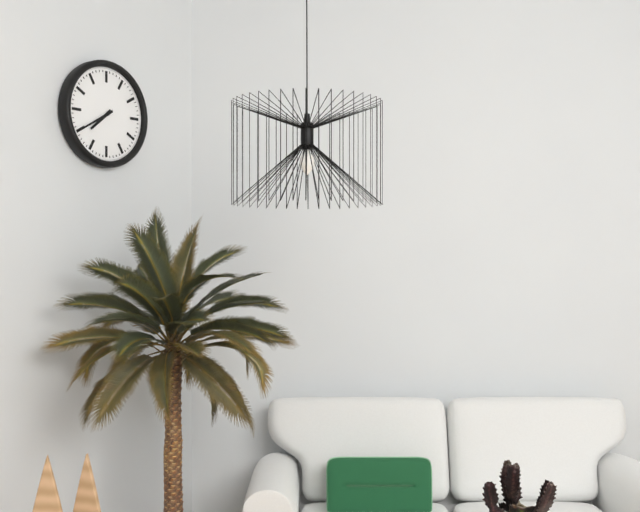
7:40
